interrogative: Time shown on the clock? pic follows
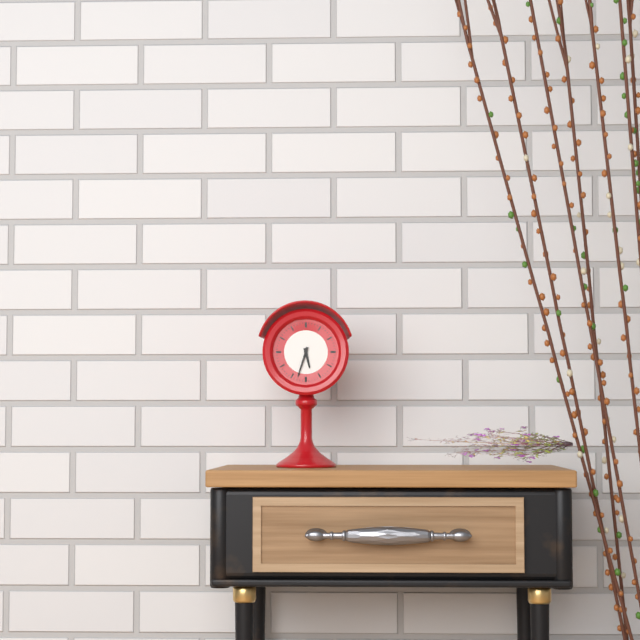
5:33
